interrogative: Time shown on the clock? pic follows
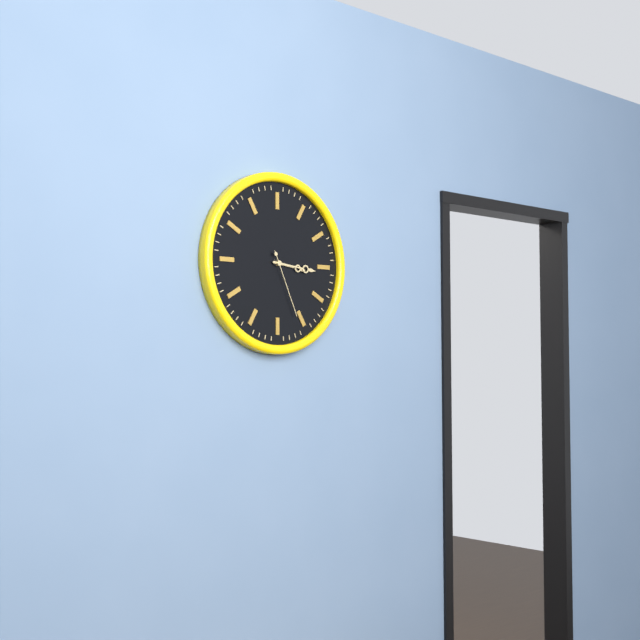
3:16:26
